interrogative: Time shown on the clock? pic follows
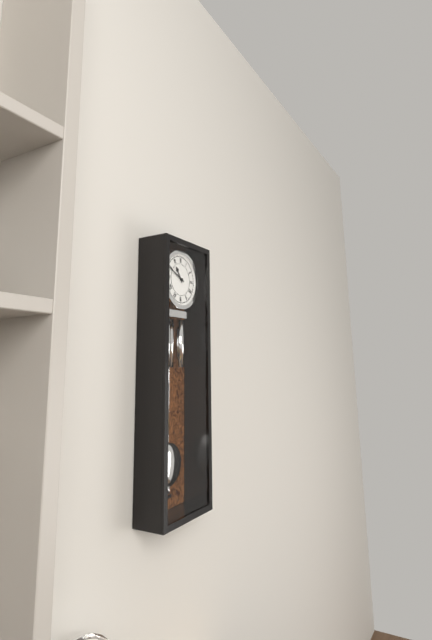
10:49
